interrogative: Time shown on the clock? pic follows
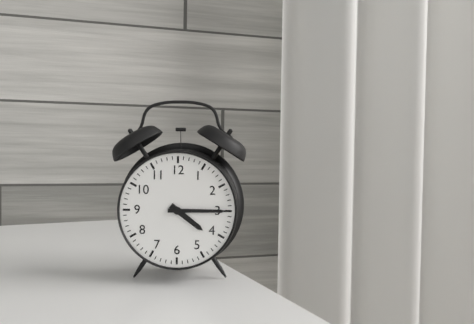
4:15
